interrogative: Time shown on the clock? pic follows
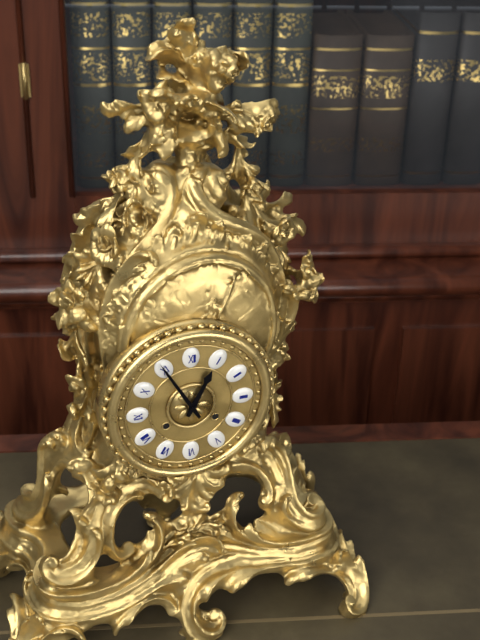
12:55
